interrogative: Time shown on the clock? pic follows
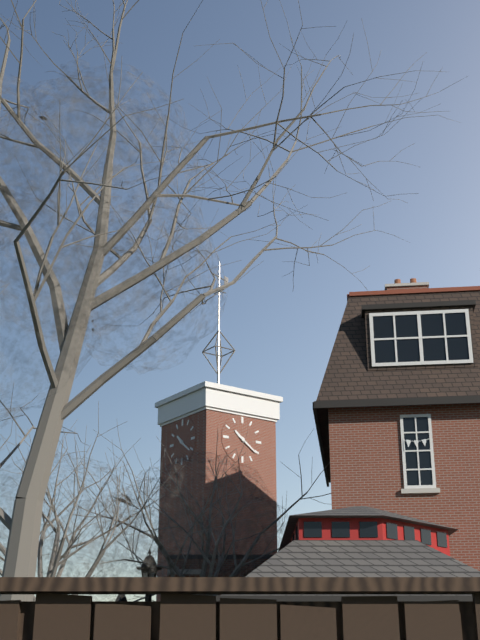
10:21
